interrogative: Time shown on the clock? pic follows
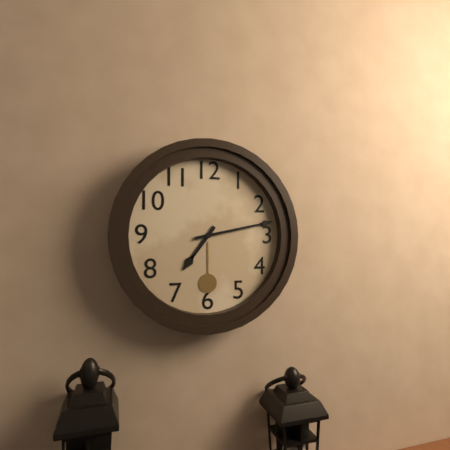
7:13
